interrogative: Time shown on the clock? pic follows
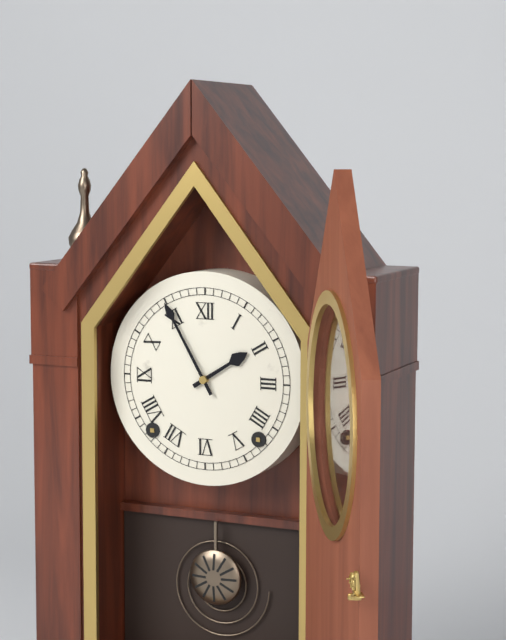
1:55
